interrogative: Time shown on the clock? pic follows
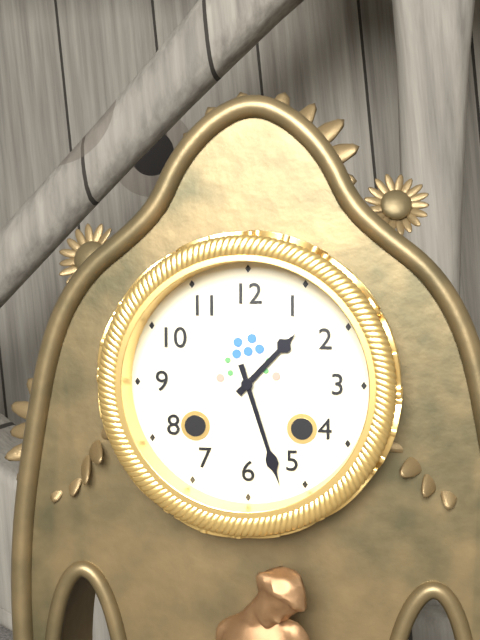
1:27
